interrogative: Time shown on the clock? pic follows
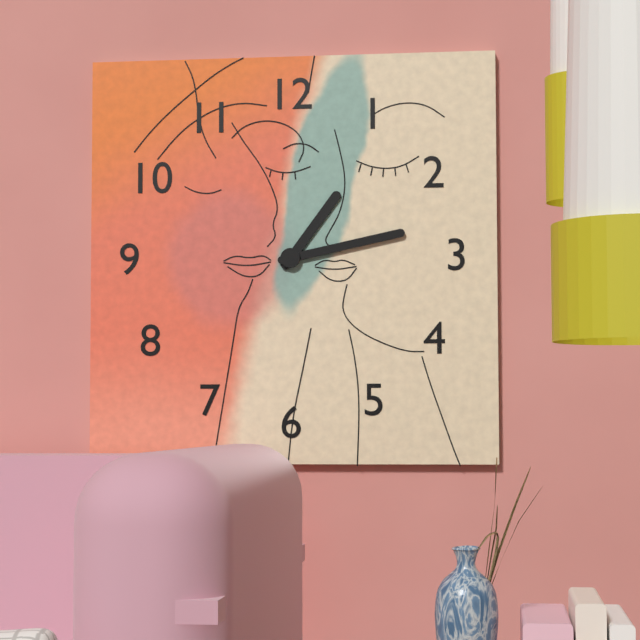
1:13
